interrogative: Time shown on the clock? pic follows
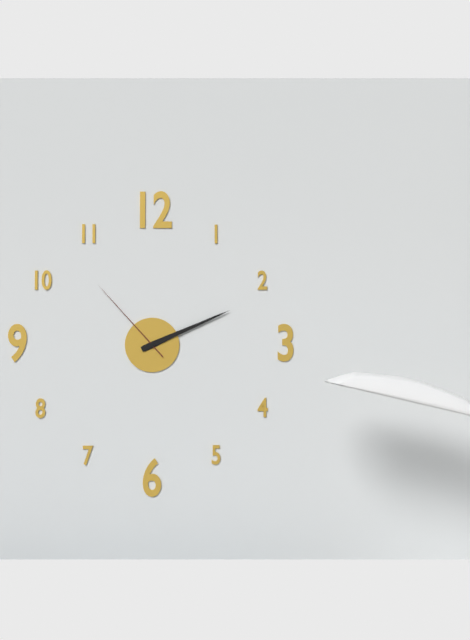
2:11:53
